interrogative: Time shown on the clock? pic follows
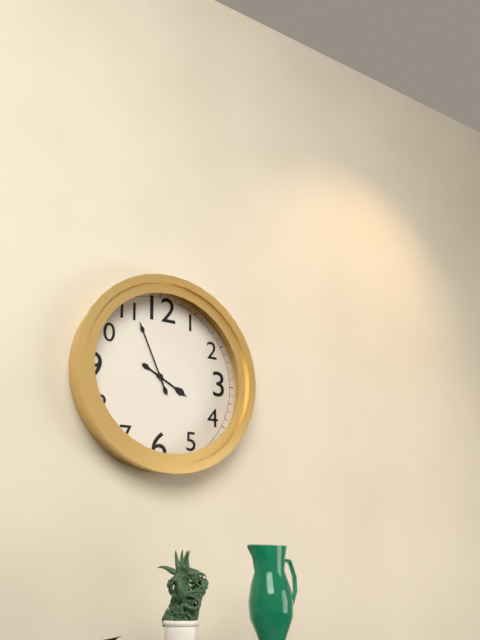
3:56
